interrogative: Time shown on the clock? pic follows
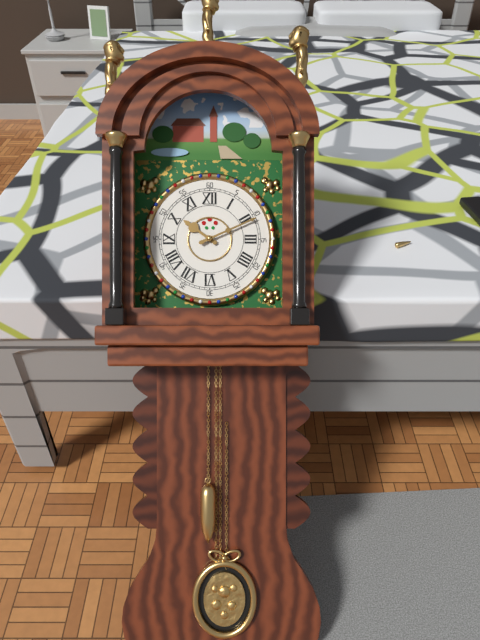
10:11
